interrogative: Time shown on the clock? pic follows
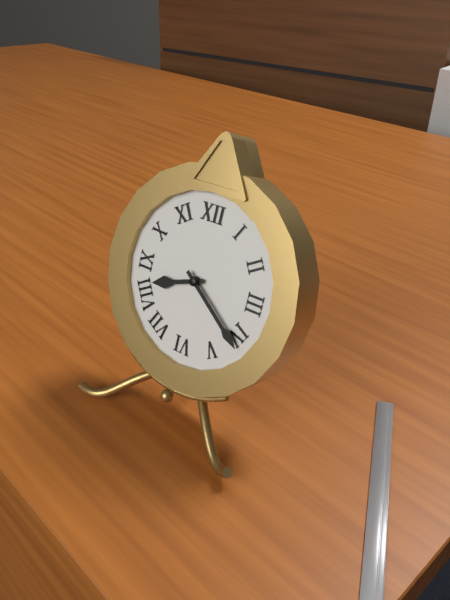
8:21
